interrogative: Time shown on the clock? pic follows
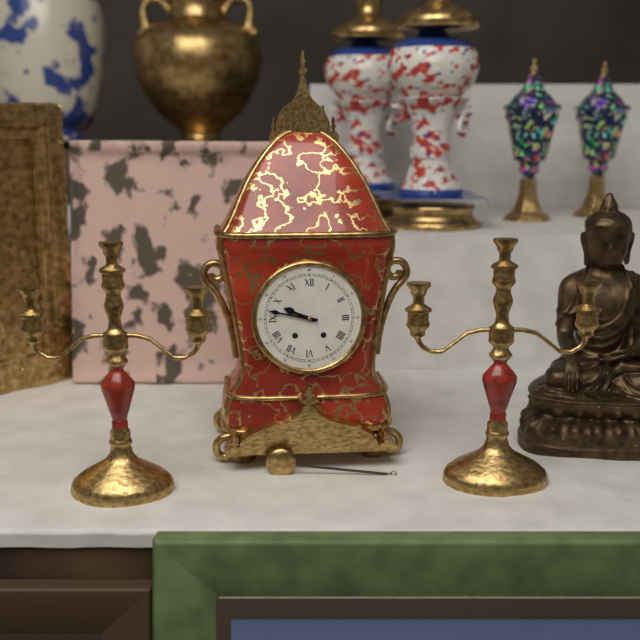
9:47
